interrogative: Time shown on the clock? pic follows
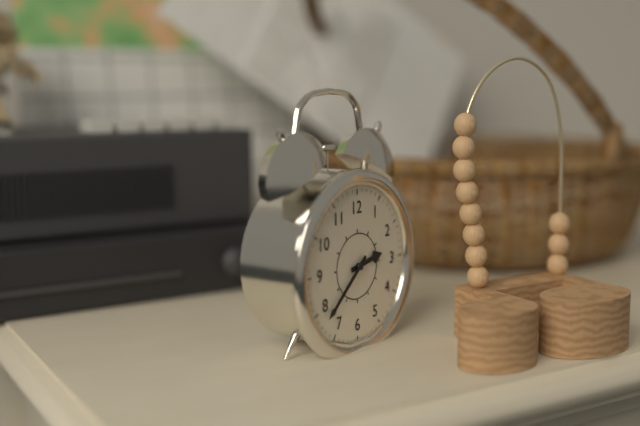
2:38
